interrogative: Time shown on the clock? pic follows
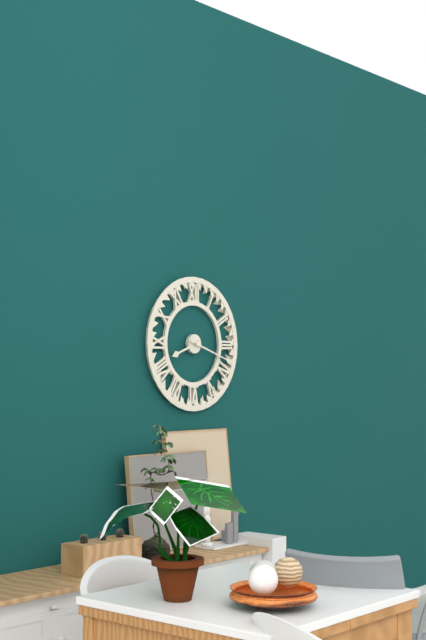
8:18
